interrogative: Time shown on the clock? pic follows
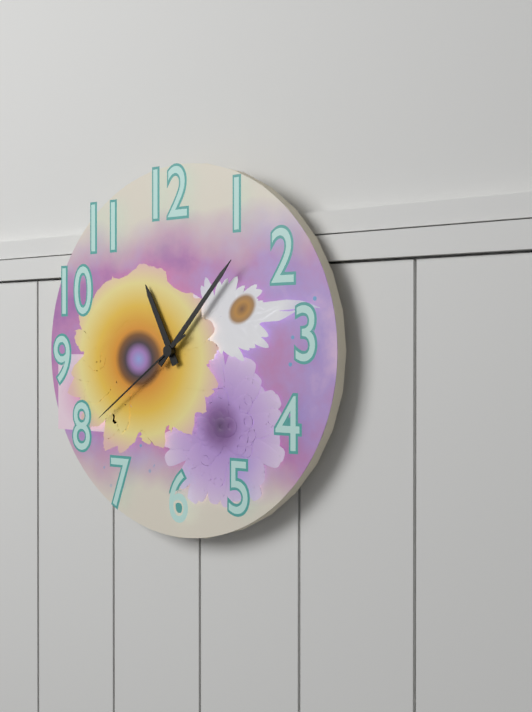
11:07:39
